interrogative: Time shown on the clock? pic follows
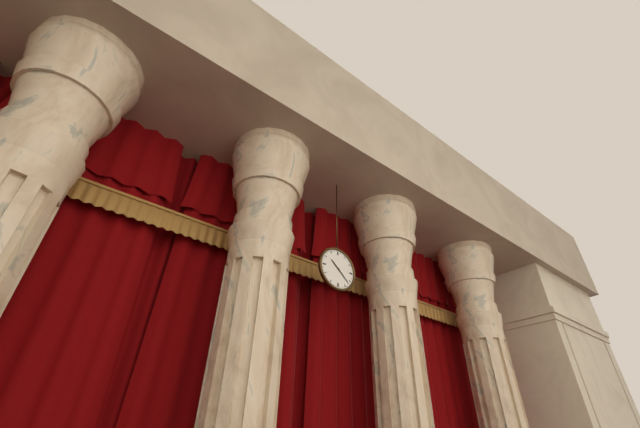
10:22
